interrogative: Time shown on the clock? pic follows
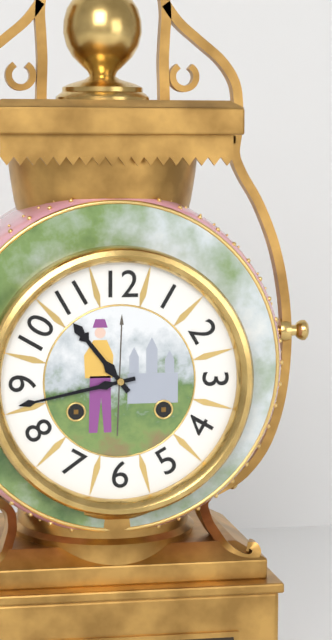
10:43
